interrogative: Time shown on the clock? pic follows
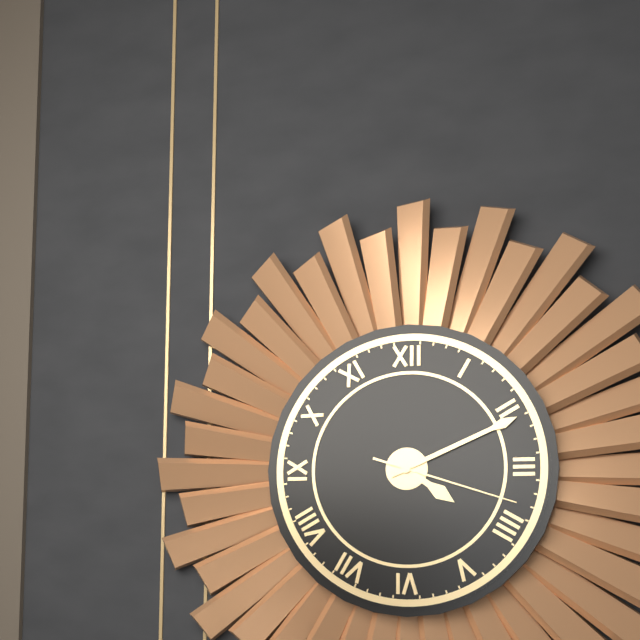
4:11:18
